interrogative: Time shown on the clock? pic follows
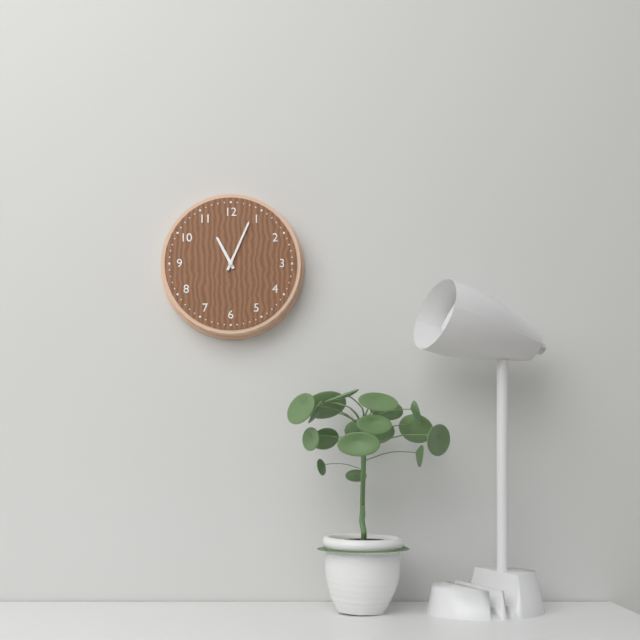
11:04
